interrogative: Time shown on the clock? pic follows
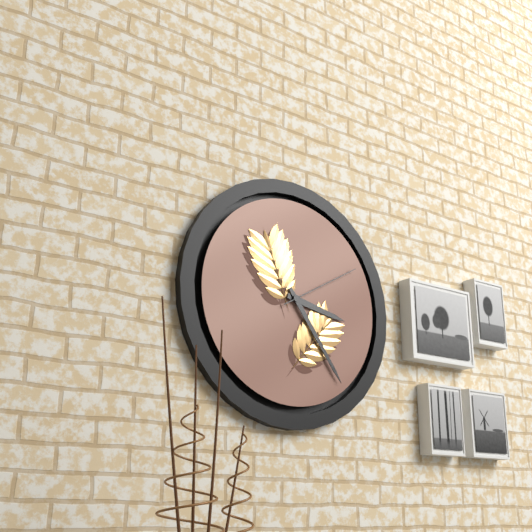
3:24:10
